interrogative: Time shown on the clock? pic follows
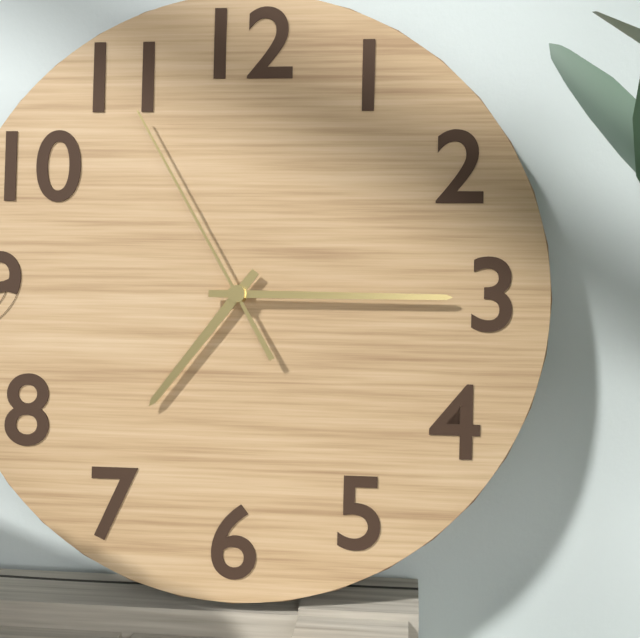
7:15:55
